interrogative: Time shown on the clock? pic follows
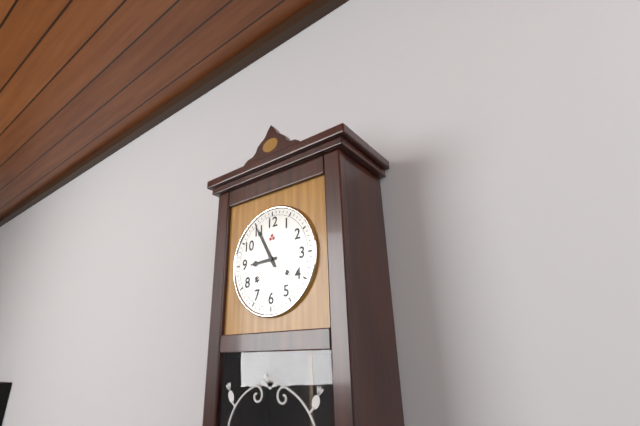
8:55
